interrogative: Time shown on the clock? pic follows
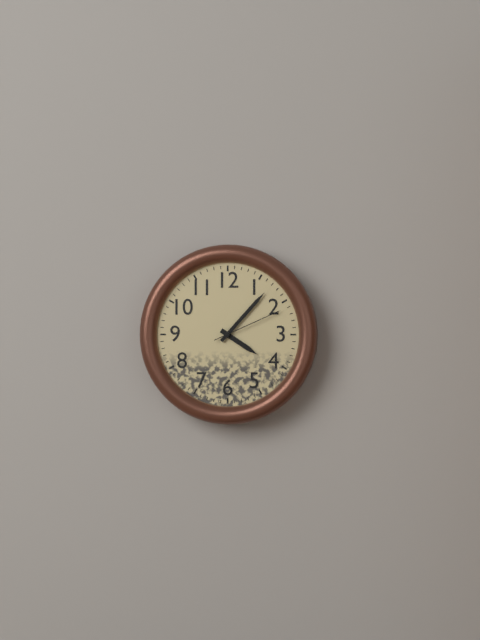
4:07:11
